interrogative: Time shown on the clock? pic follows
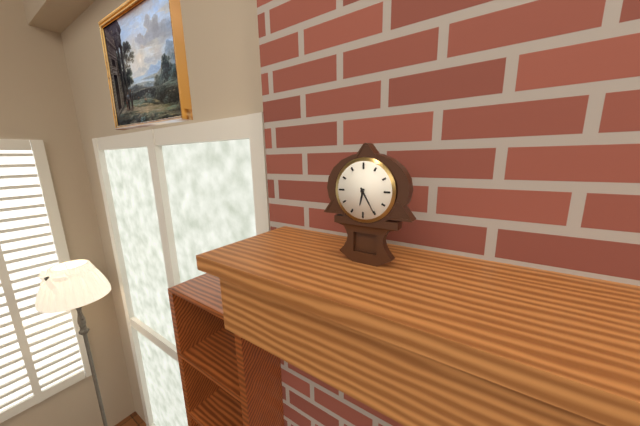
6:25
